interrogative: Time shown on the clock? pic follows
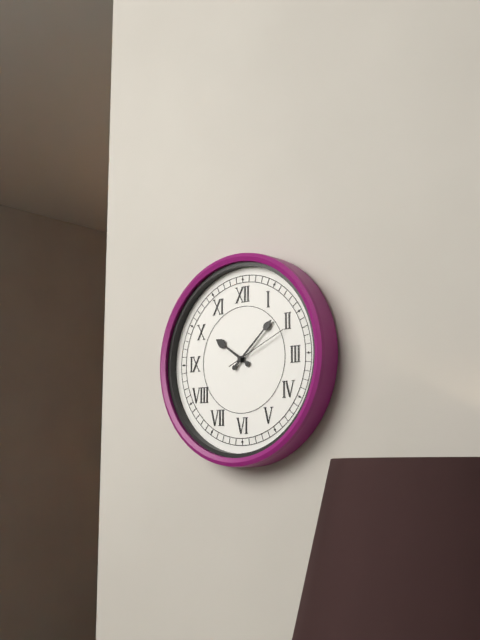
10:08:11
